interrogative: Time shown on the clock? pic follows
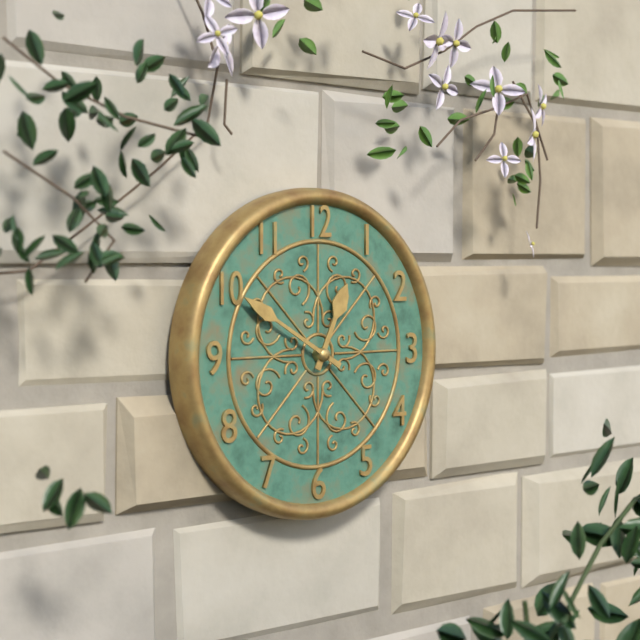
12:50
